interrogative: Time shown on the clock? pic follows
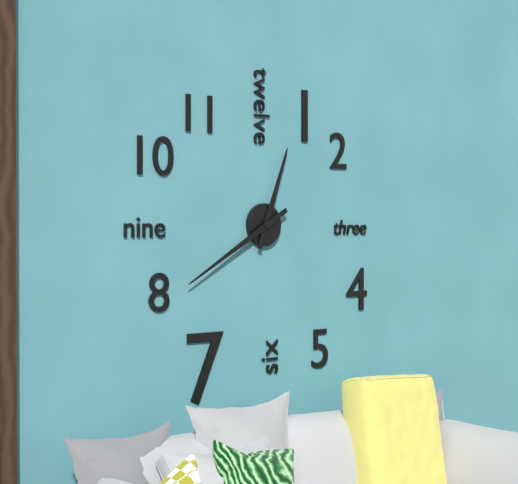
12:40
